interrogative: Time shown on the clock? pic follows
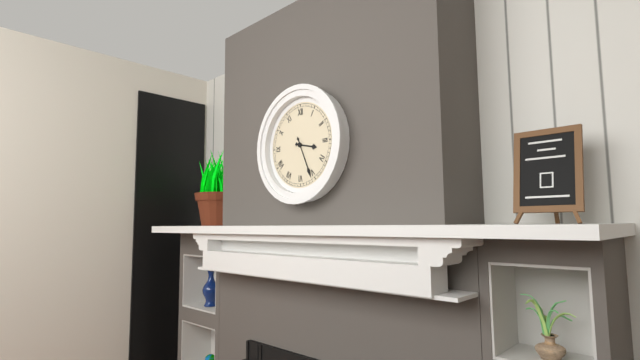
3:26
